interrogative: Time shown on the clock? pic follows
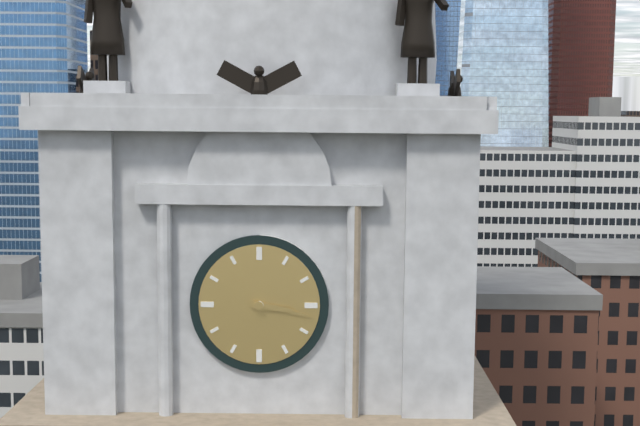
3:17
